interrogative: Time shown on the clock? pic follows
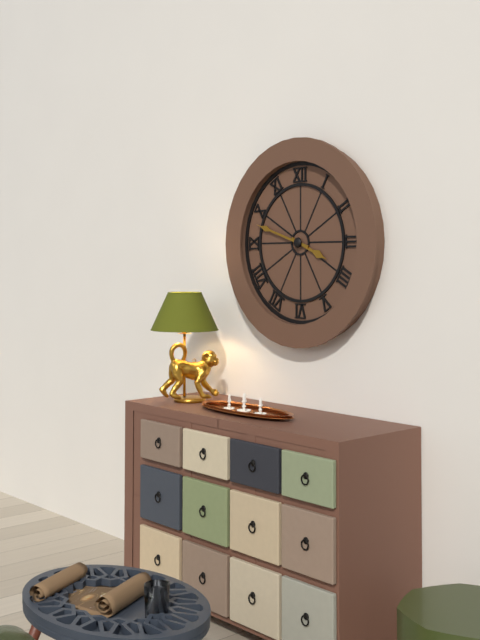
3:48
